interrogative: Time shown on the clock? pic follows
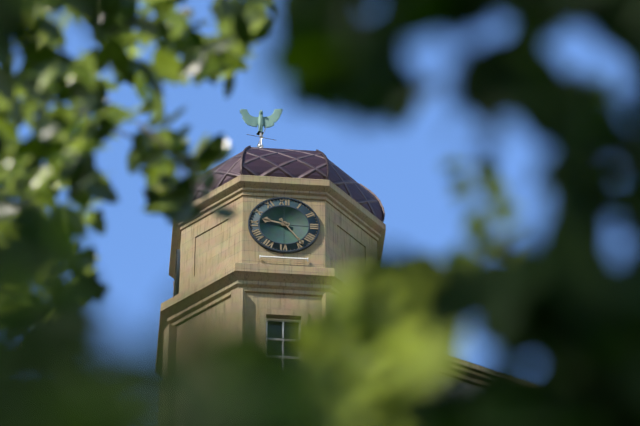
9:24
